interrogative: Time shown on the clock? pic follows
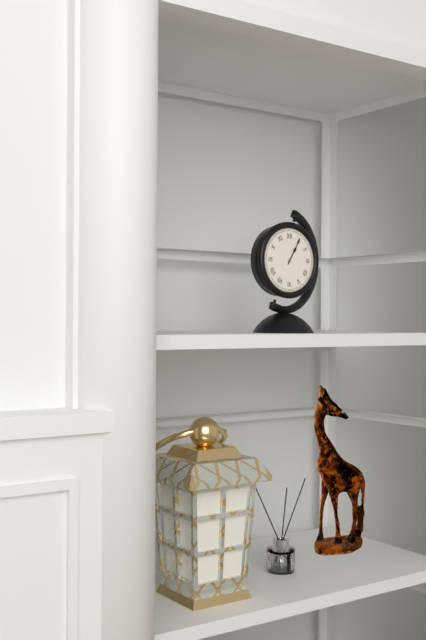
1:05
